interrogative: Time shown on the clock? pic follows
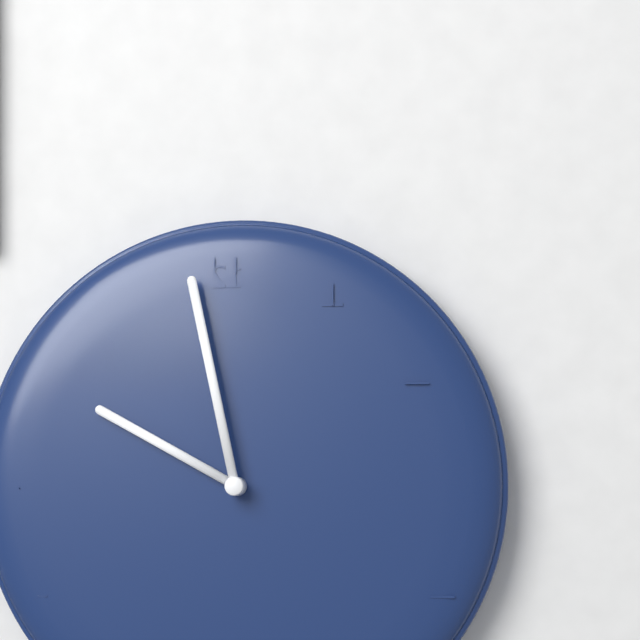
9:58
